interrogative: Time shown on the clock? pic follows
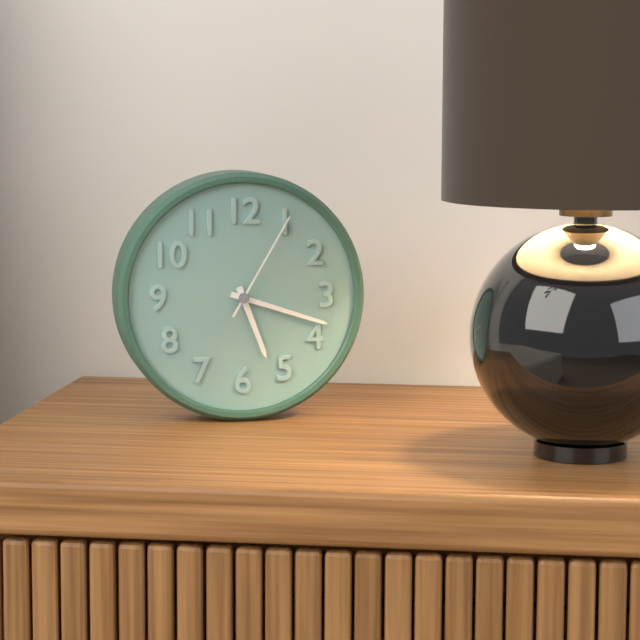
5:18:05
